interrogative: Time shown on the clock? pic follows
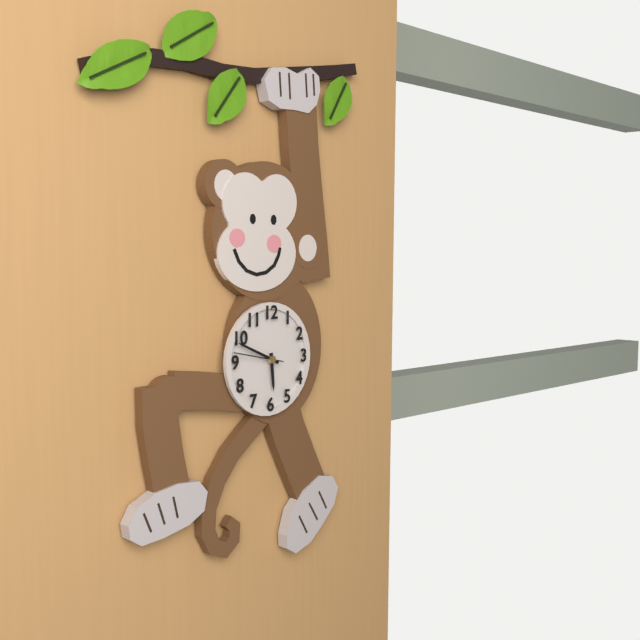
5:49
